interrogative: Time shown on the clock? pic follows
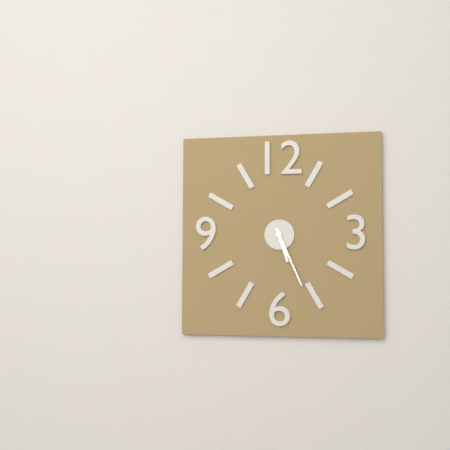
5:26
